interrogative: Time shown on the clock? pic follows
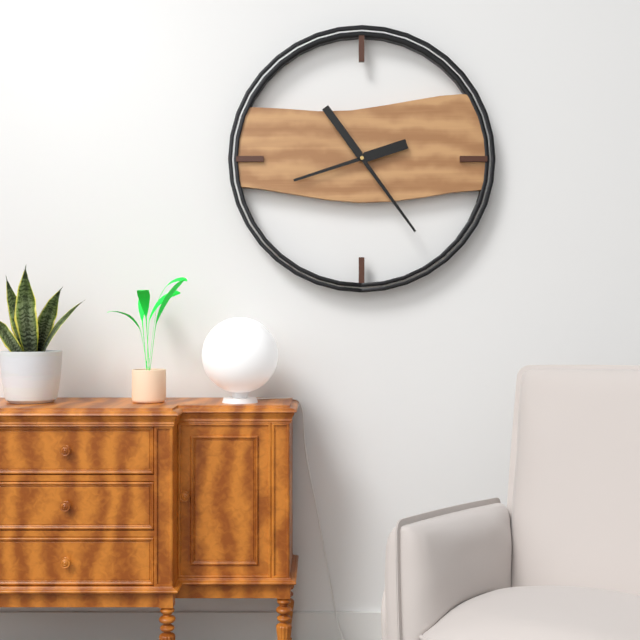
8:24
